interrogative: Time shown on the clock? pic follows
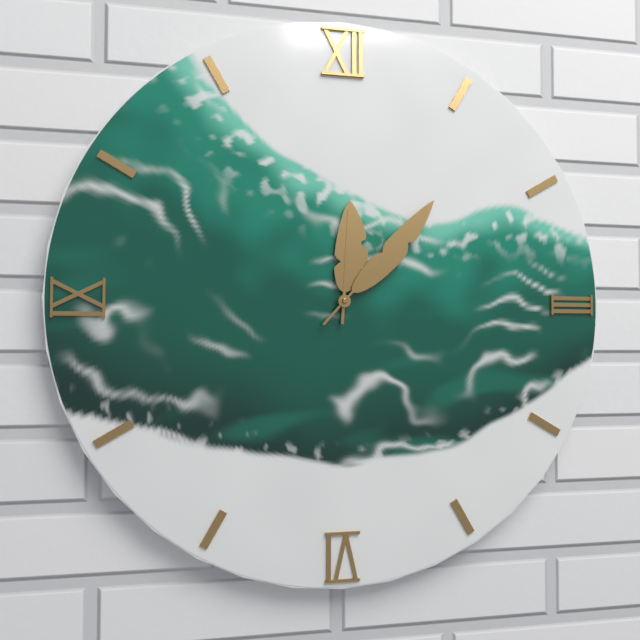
12:07
